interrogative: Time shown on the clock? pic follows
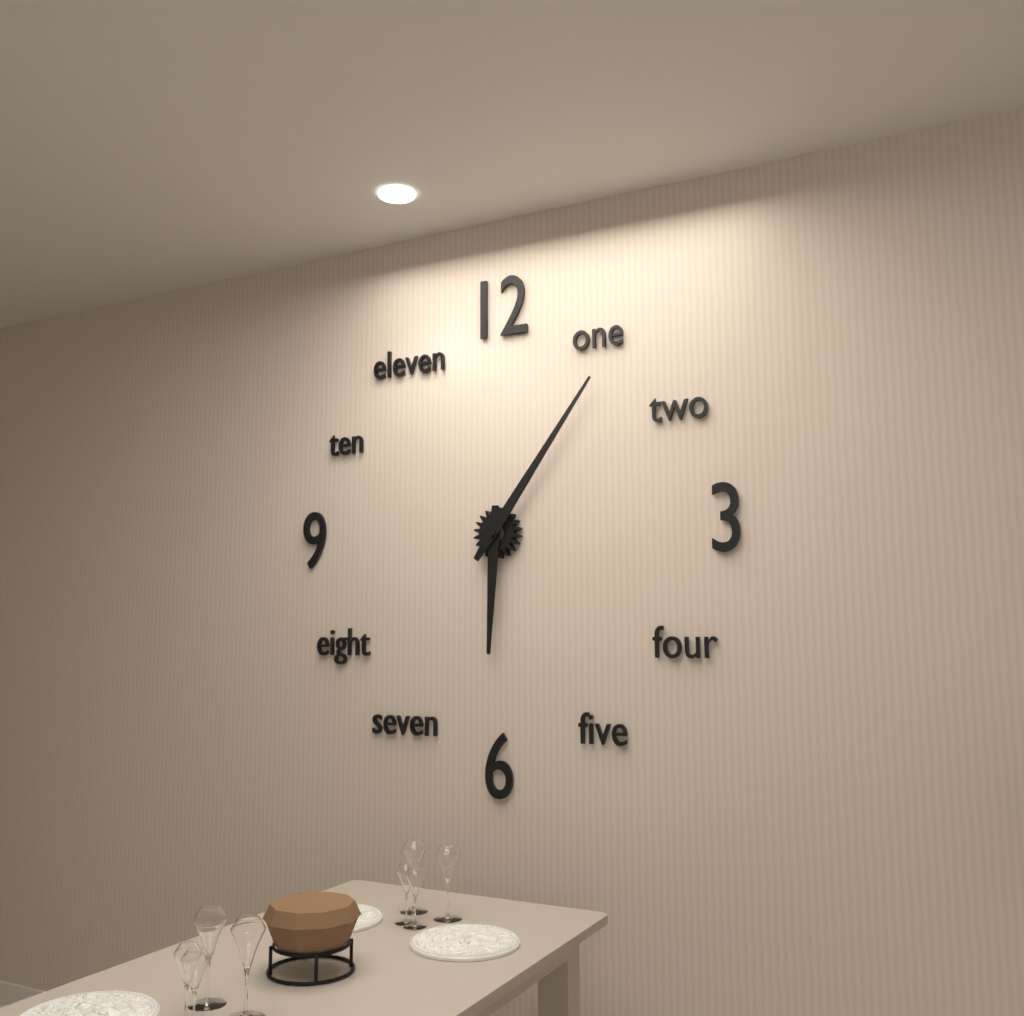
6:06
